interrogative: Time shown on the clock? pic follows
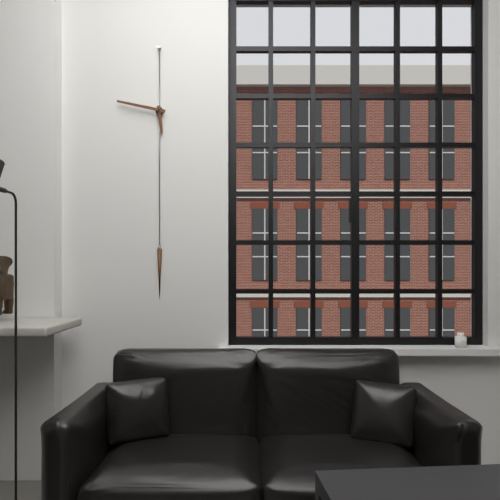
5:47
